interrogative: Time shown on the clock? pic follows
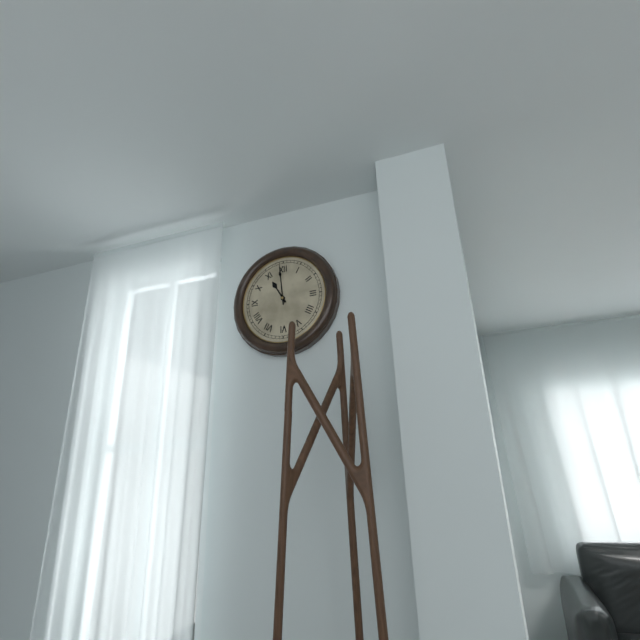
10:59
